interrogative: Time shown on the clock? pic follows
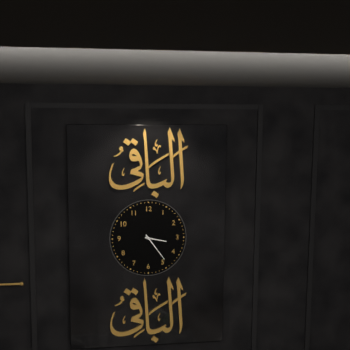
3:24
